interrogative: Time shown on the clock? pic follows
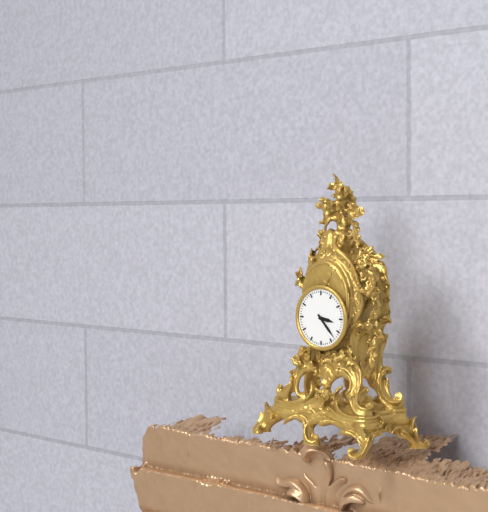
3:23
